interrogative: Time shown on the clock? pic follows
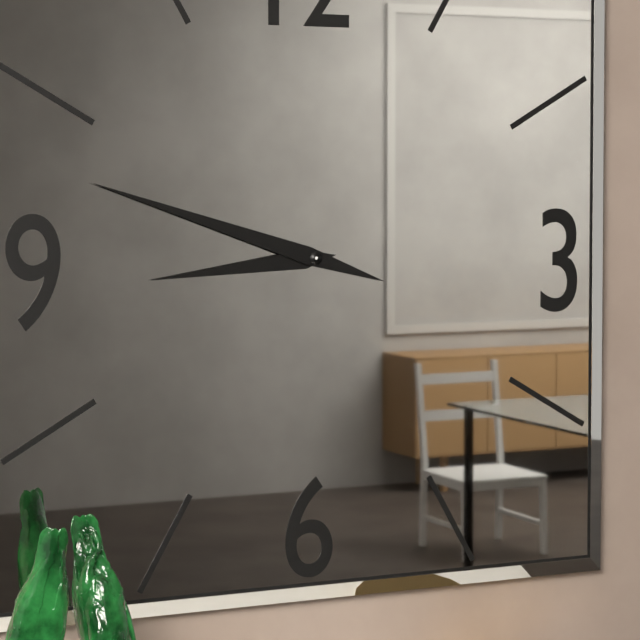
8:48
